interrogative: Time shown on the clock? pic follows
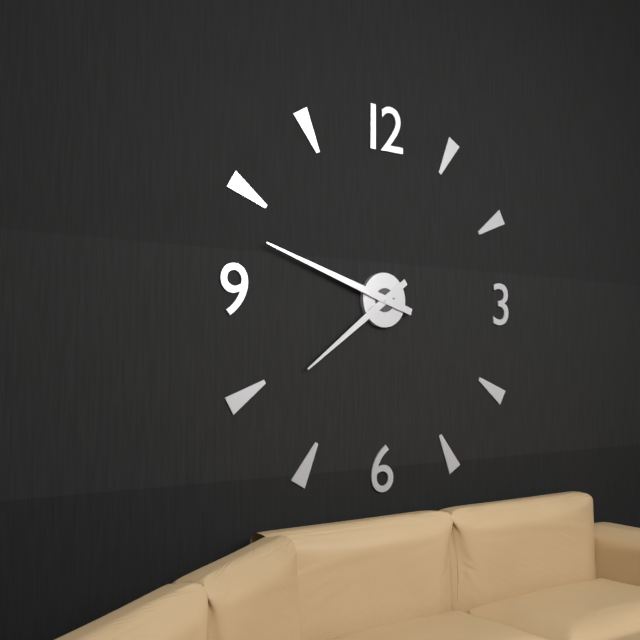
7:48
